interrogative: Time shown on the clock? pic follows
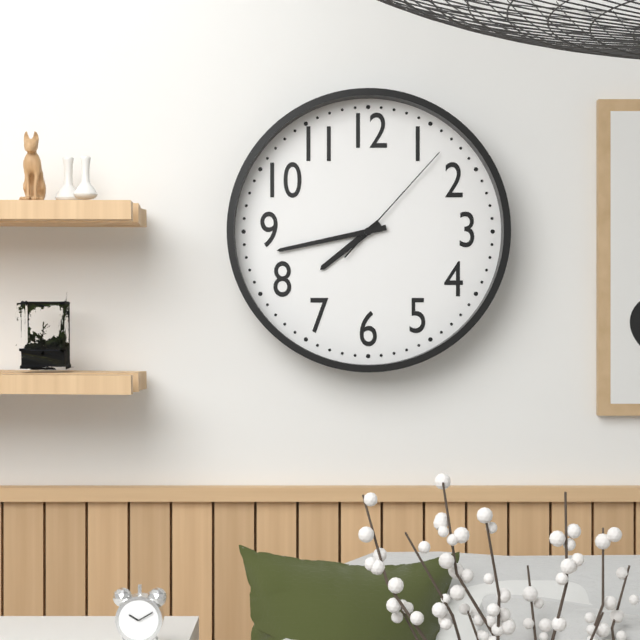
7:43:07
